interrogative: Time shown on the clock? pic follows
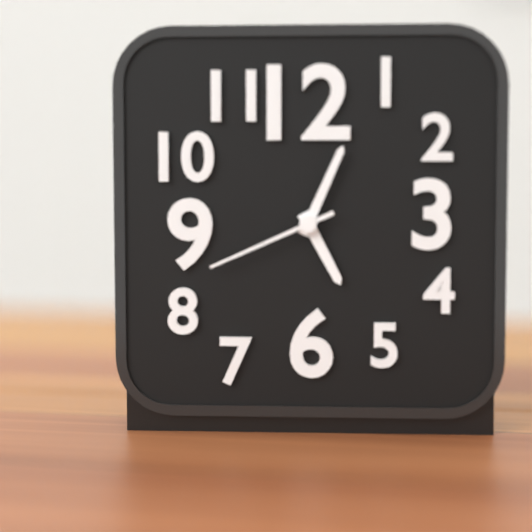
5:04:41
